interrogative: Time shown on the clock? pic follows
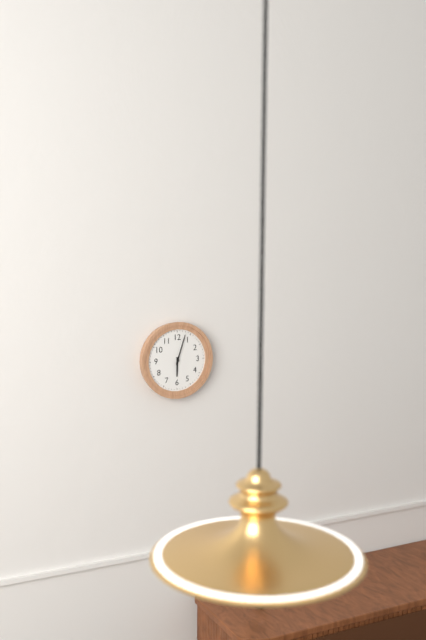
6:03
